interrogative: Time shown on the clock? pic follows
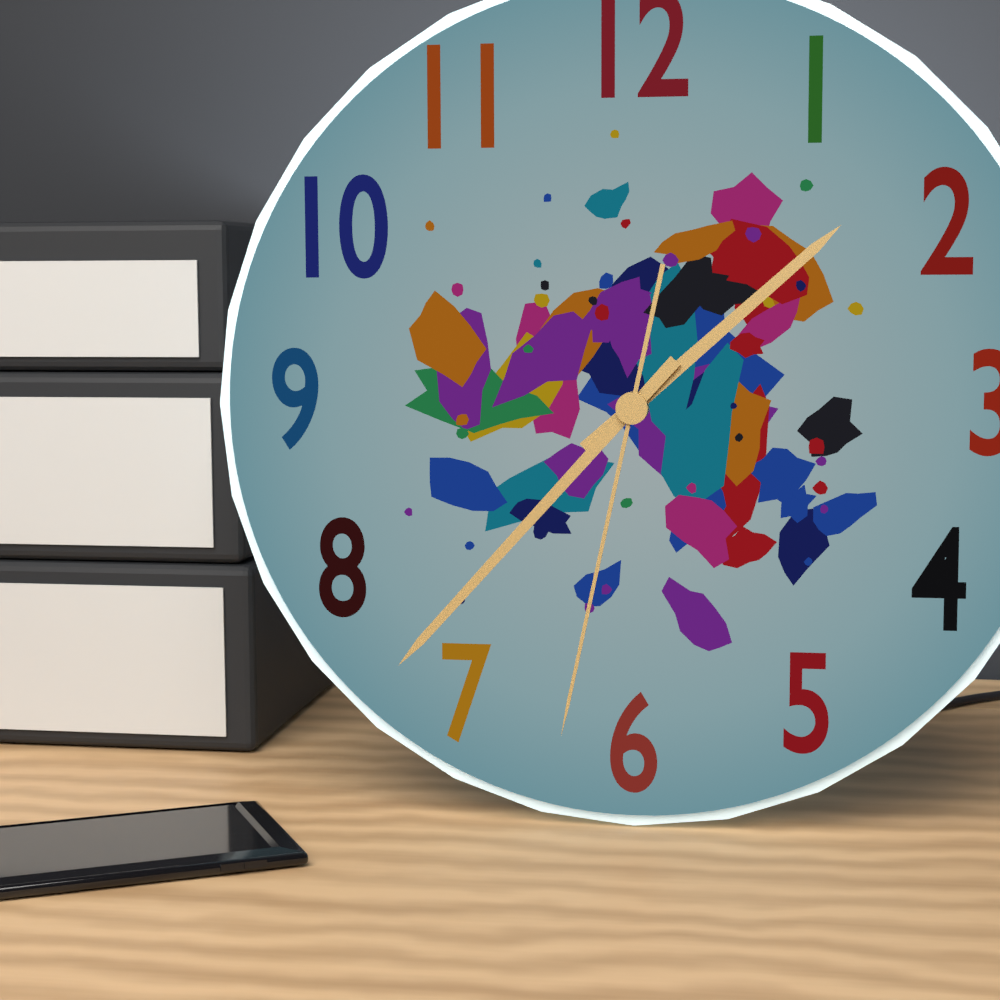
1:37:32
